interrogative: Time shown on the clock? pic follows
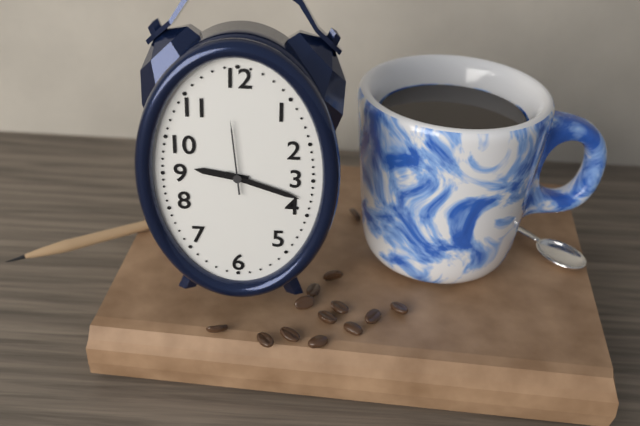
9:18:59
